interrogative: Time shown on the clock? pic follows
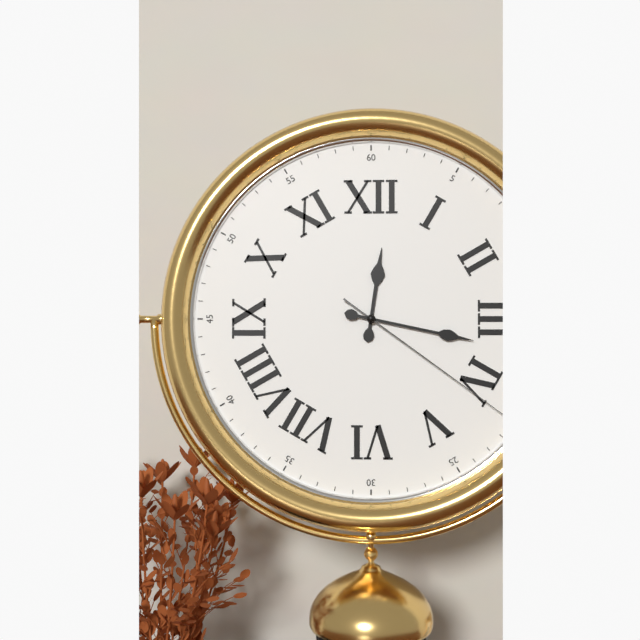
12:17:21
